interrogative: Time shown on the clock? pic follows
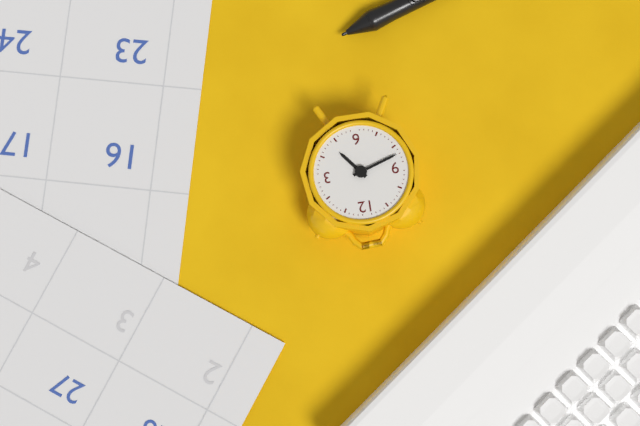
4:42
